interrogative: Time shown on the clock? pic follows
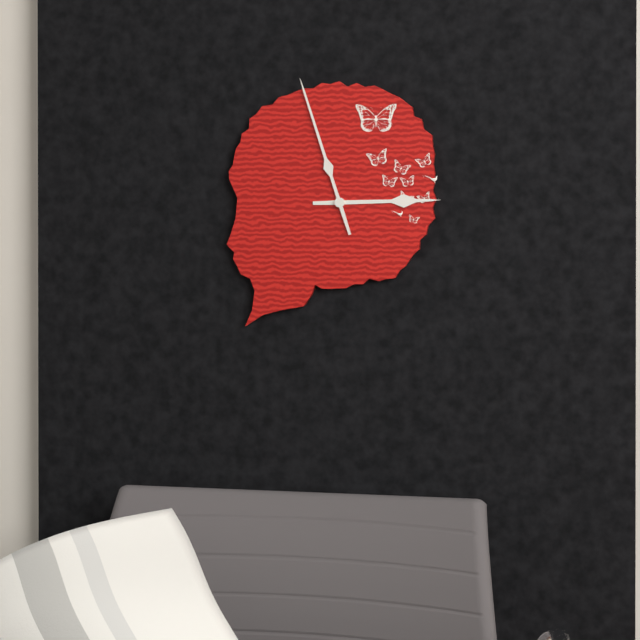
2:57
